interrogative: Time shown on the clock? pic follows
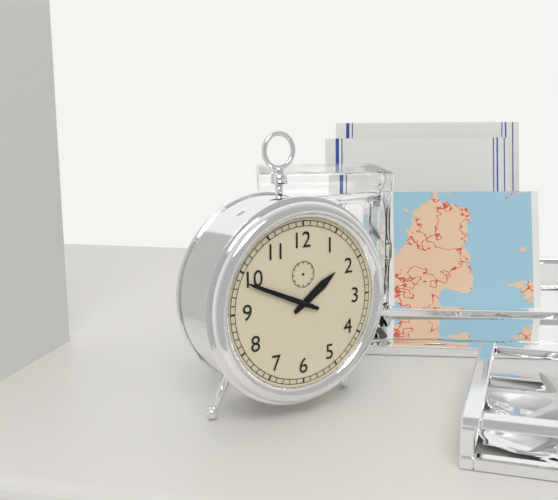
1:49
